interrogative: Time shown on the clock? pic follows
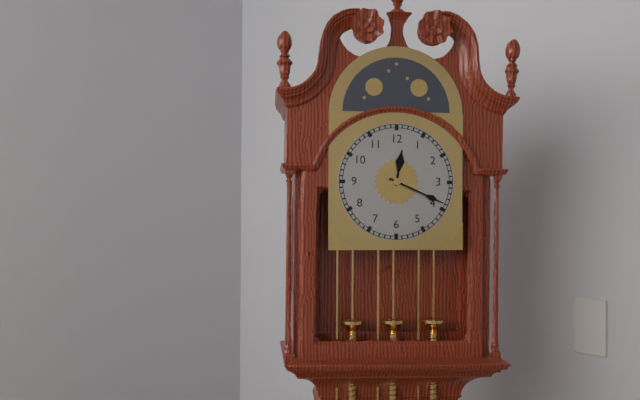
12:19
